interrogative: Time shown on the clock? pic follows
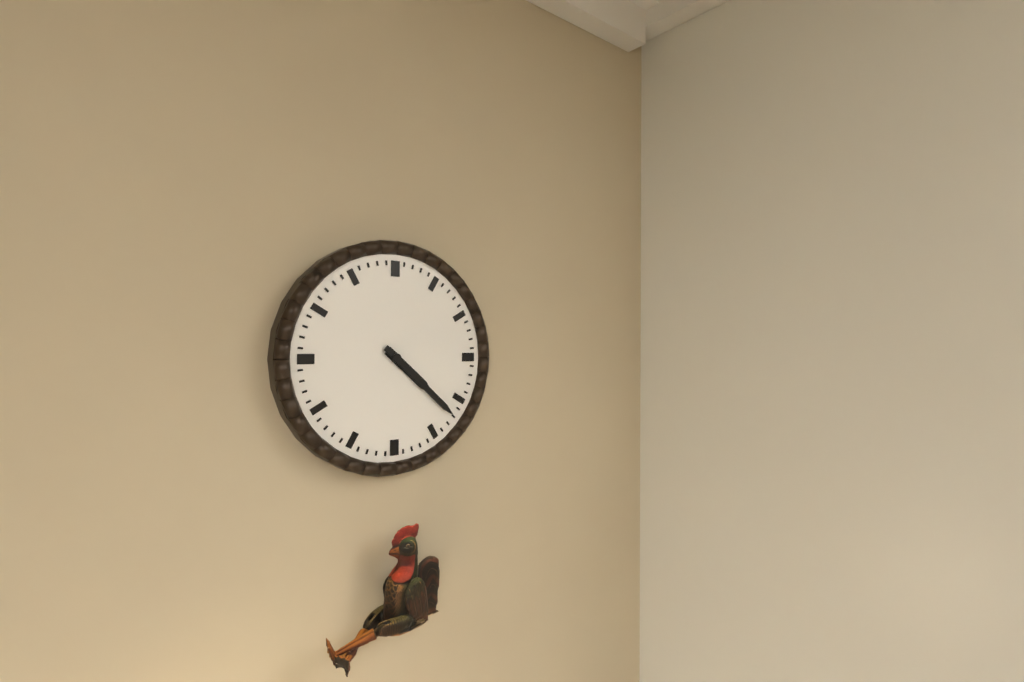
4:22
